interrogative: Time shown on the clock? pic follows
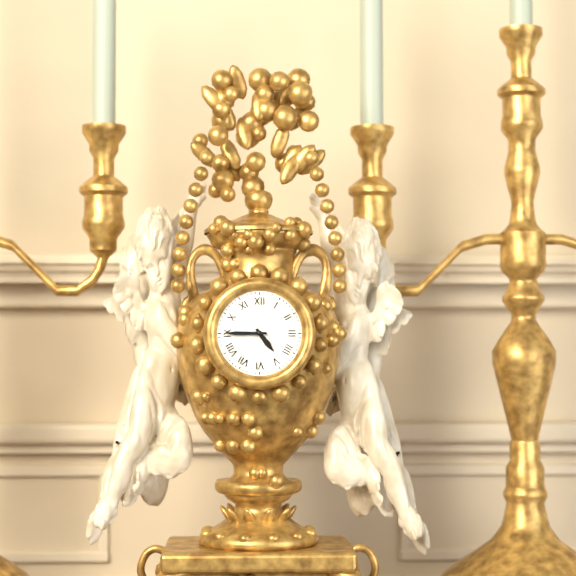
4:45
